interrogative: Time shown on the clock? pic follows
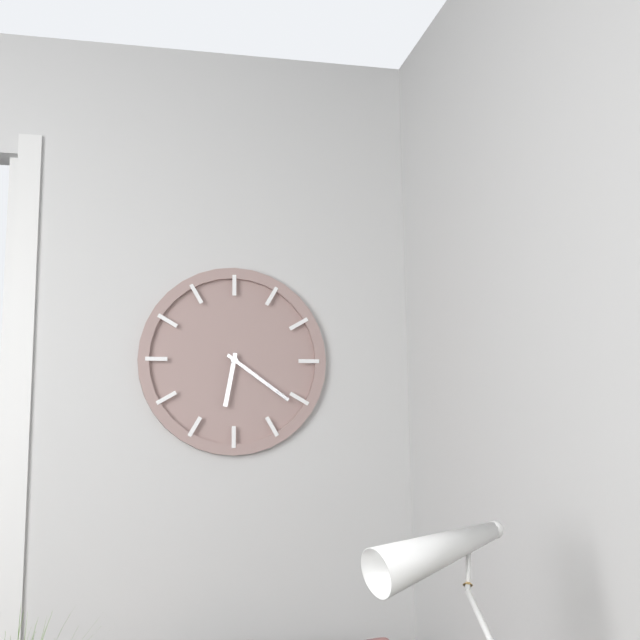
6:21
